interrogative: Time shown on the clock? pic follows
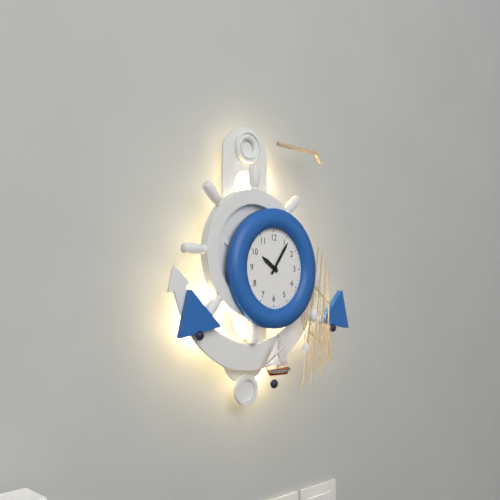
10:06
